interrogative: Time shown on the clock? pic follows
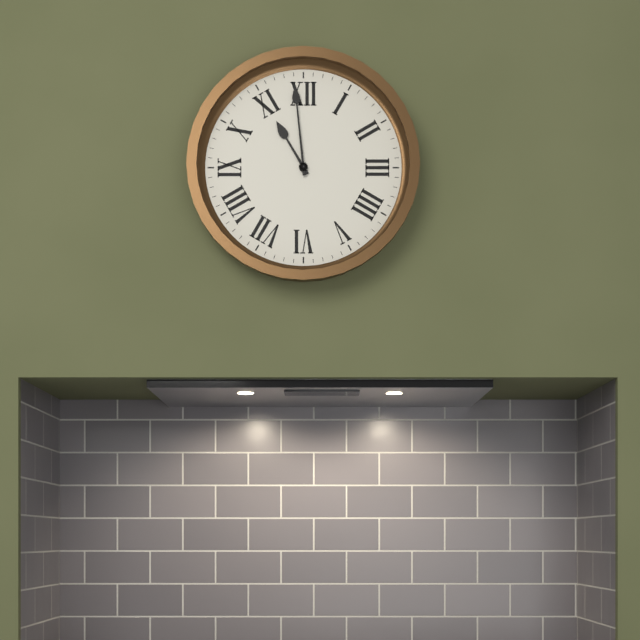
10:59
